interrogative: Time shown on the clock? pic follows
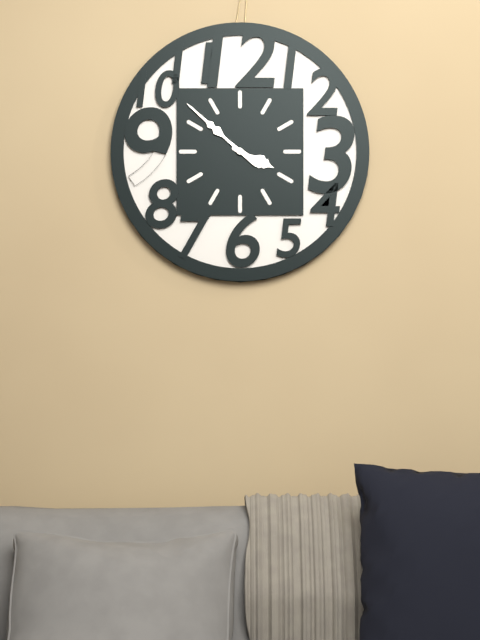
3:52
